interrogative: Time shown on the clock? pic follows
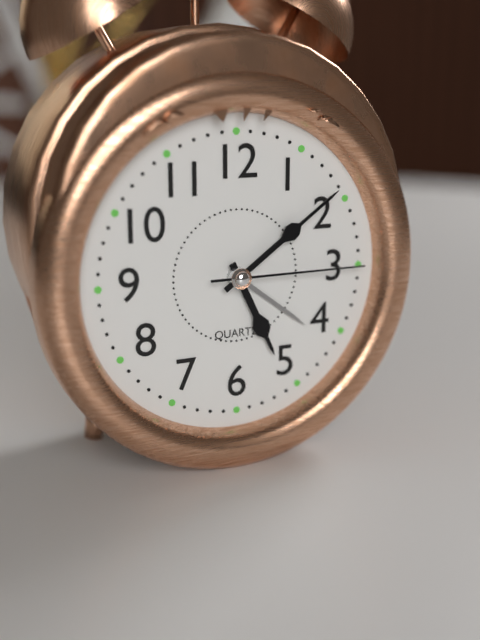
5:09:15
